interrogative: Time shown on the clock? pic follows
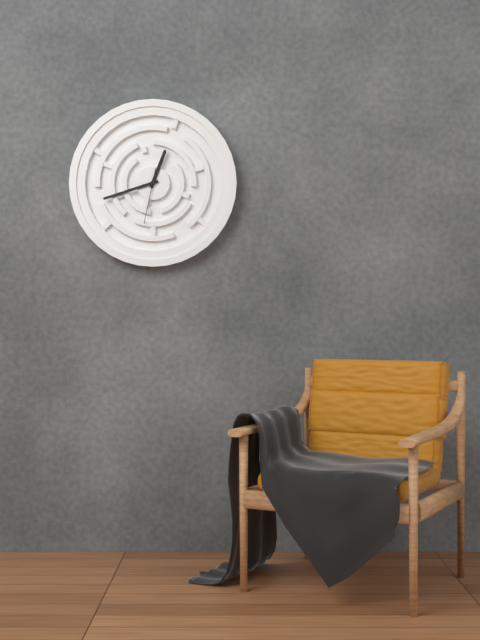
12:42:32
